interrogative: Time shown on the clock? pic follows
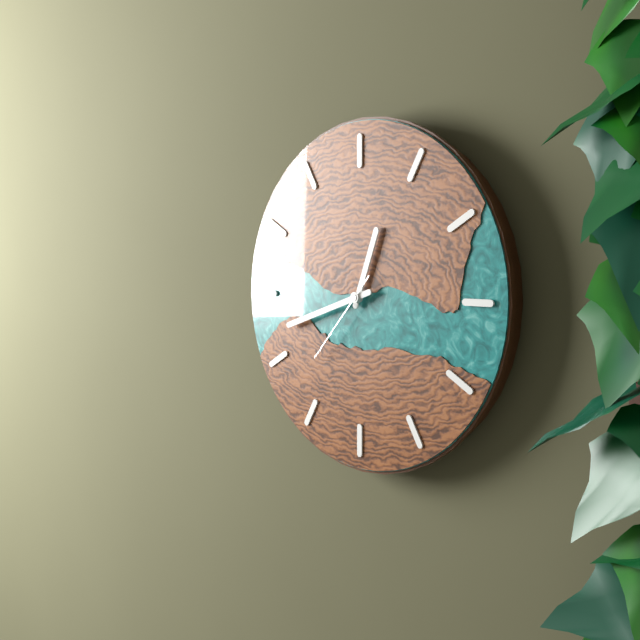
12:42:37
